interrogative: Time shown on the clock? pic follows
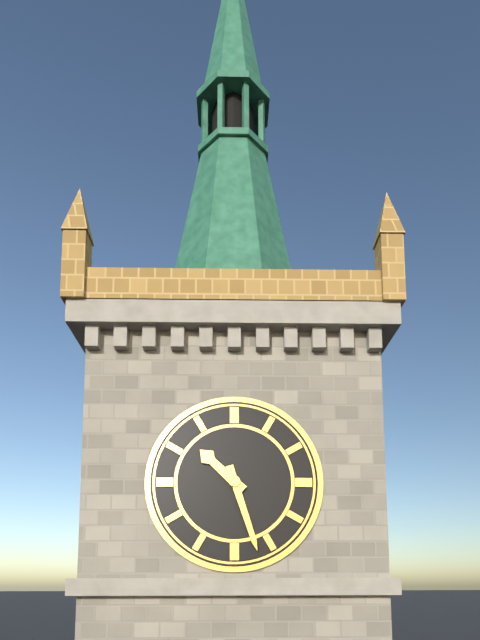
10:27
